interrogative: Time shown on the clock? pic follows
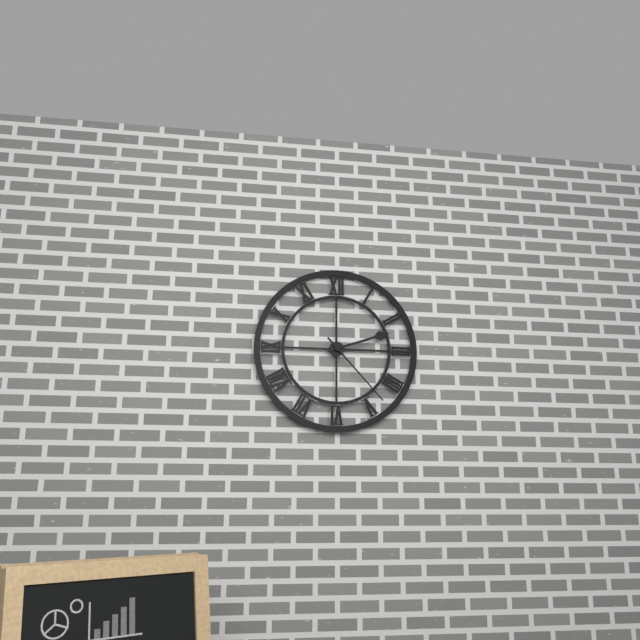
2:23
